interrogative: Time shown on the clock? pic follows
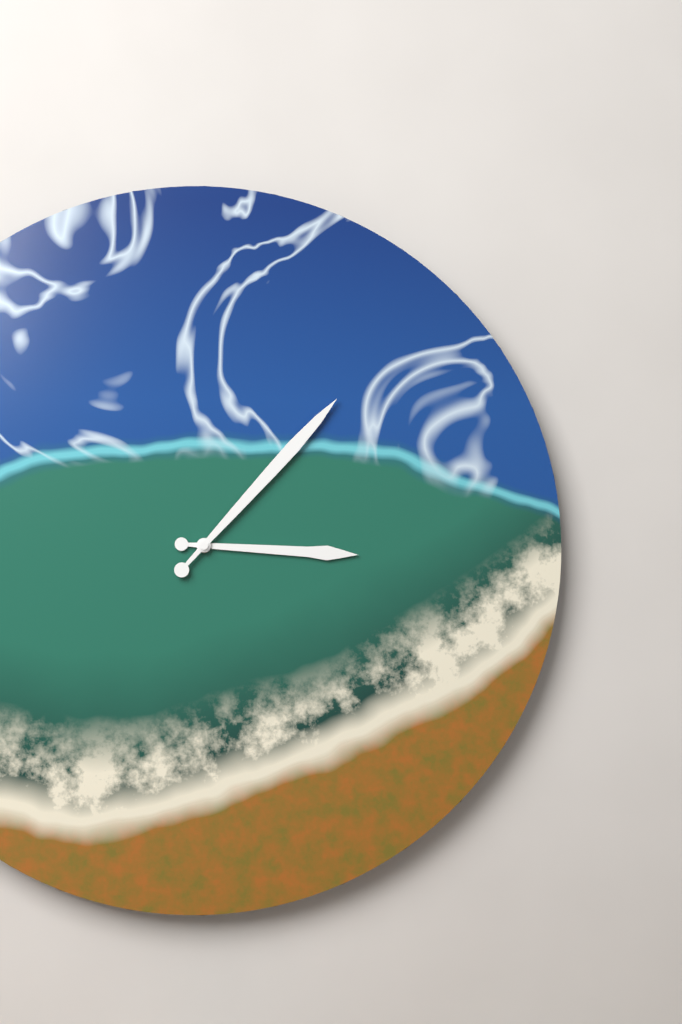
3:07
